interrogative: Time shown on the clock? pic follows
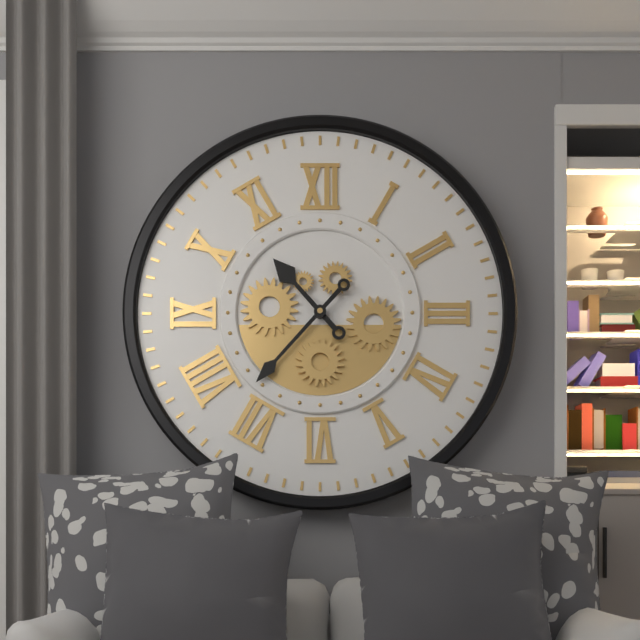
10:37
